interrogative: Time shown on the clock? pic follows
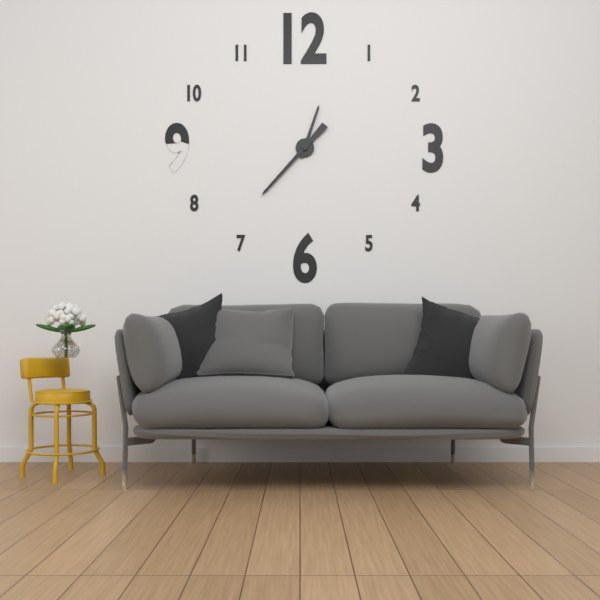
12:37
